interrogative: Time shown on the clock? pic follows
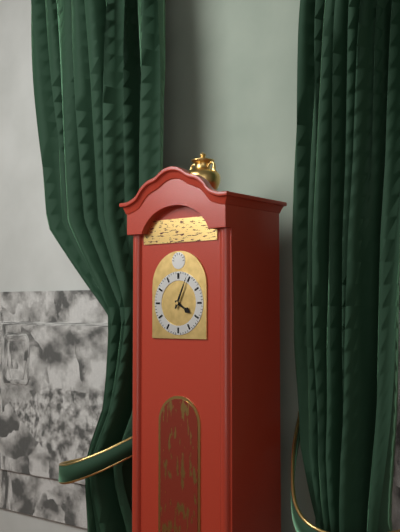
4:04
